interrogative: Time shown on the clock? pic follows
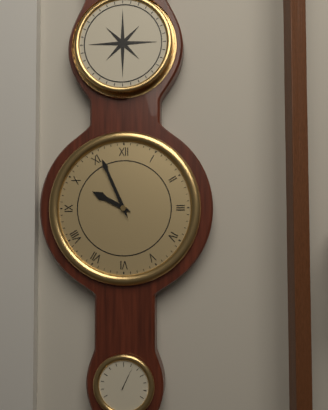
9:56
